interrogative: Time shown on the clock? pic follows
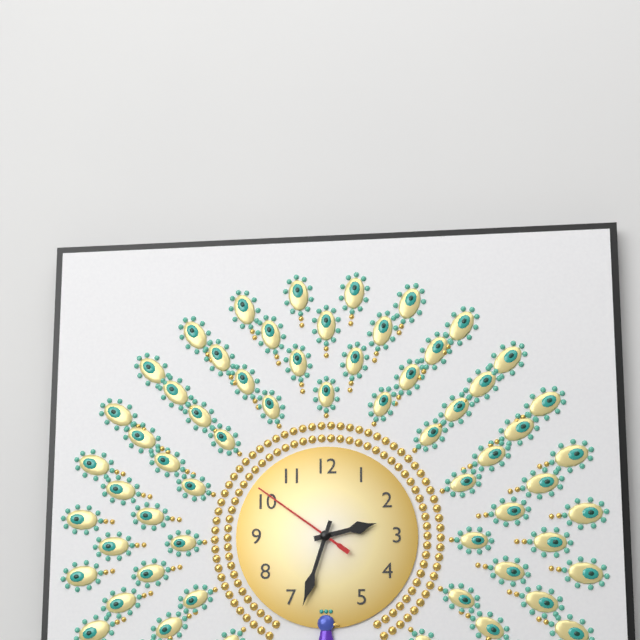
2:33:51
